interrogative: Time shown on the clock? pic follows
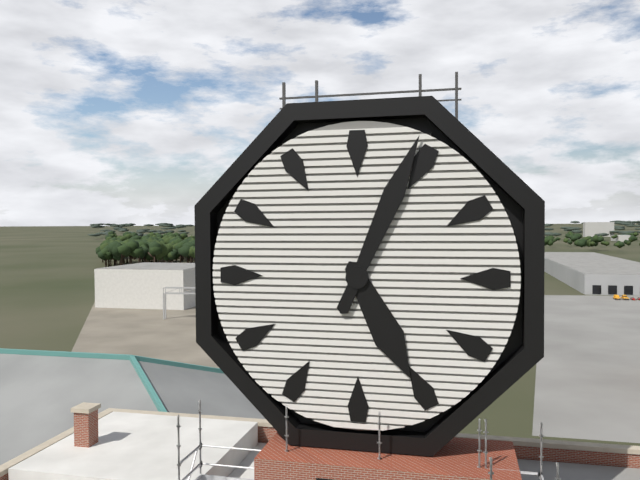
5:04
